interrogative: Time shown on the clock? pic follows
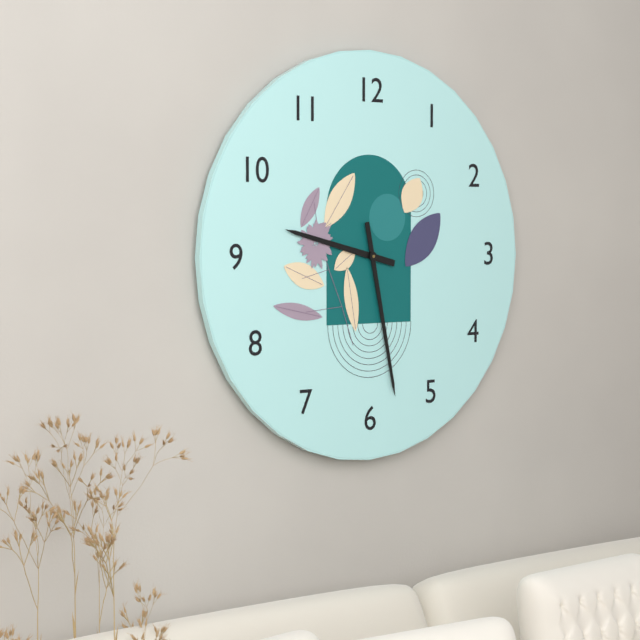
9:28
